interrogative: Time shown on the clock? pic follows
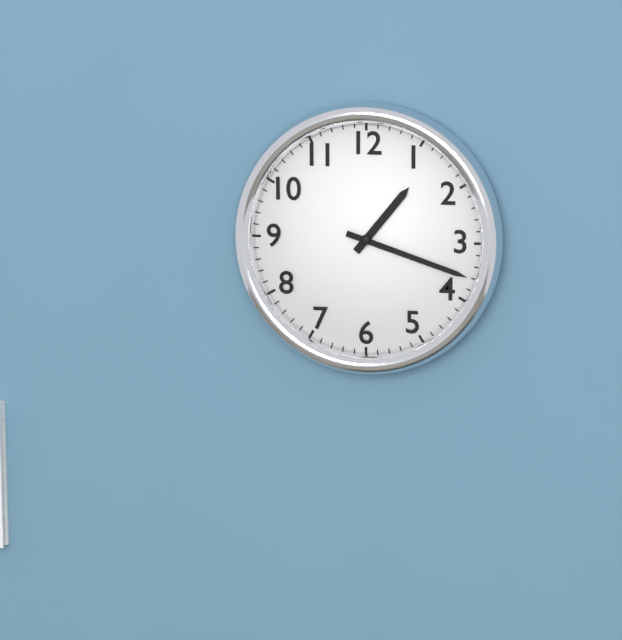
1:18
